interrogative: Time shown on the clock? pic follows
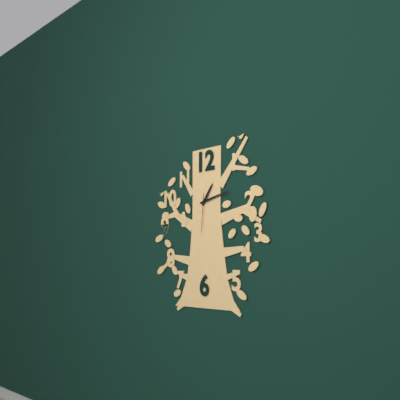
1:13
